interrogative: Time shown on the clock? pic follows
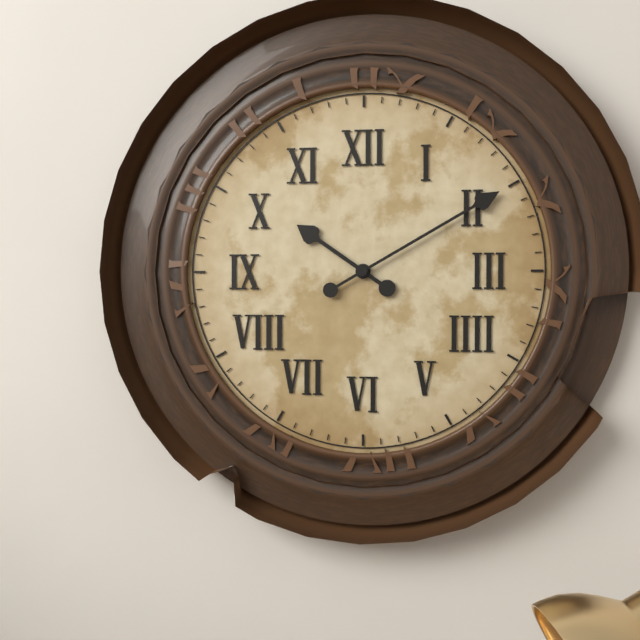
10:10
